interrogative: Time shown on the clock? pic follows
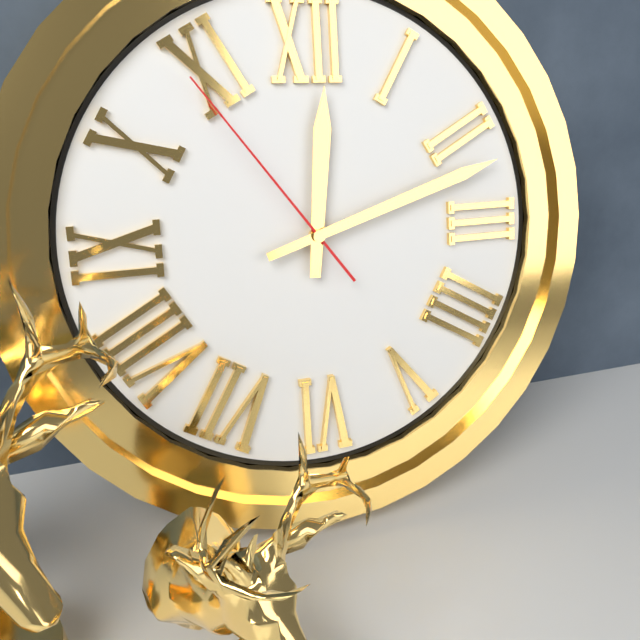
12:12:54
